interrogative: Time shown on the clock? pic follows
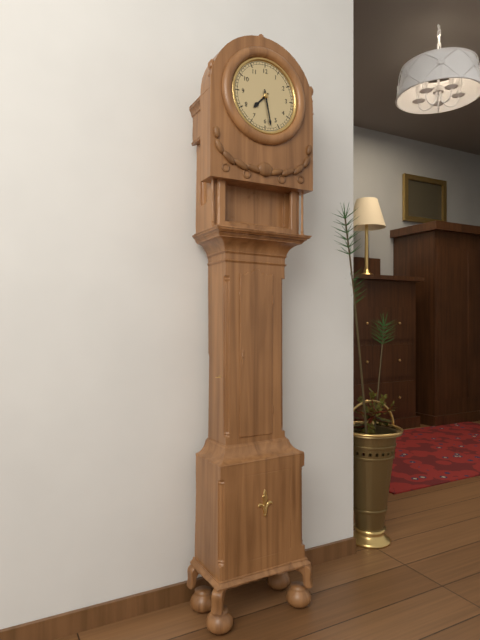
7:28
